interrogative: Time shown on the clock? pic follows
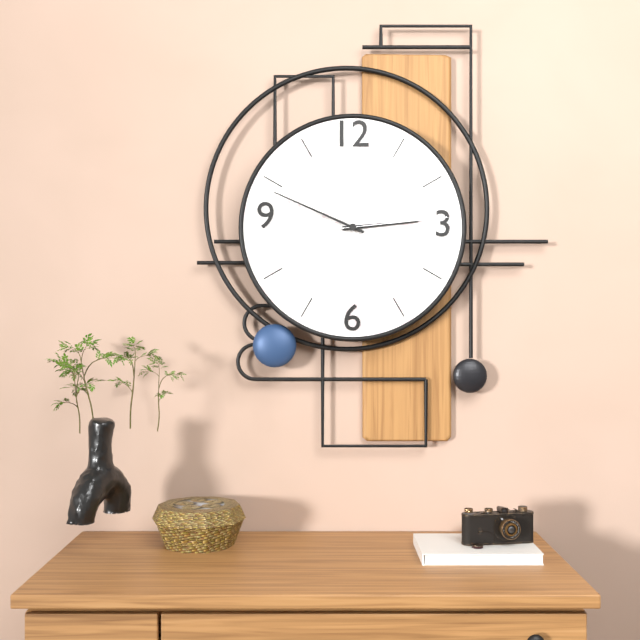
2:49:14
